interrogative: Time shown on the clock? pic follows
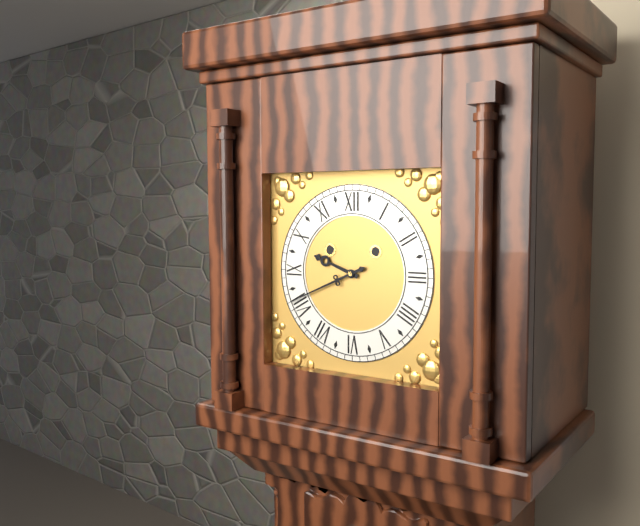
9:41
